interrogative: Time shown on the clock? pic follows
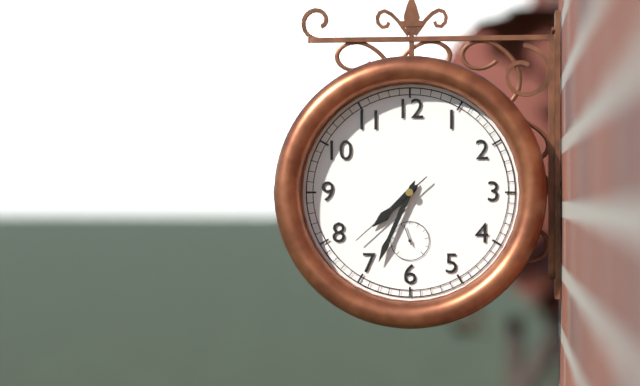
7:34:38
